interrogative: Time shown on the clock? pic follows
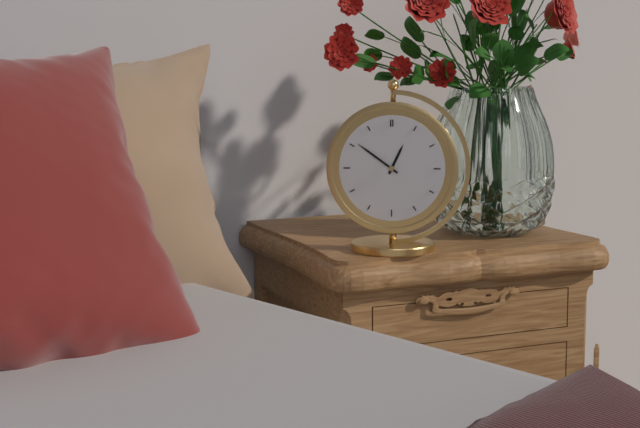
12:51
